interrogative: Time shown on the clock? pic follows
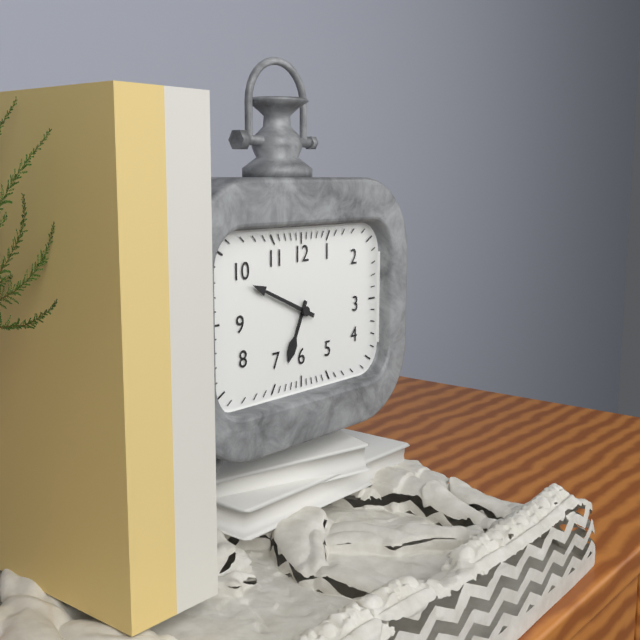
6:49
